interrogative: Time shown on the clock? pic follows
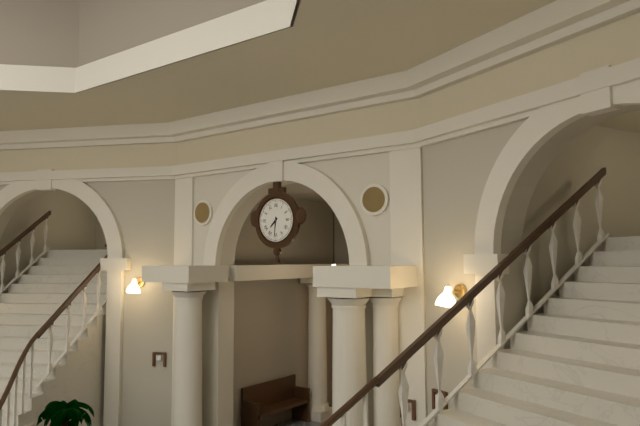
7:31
